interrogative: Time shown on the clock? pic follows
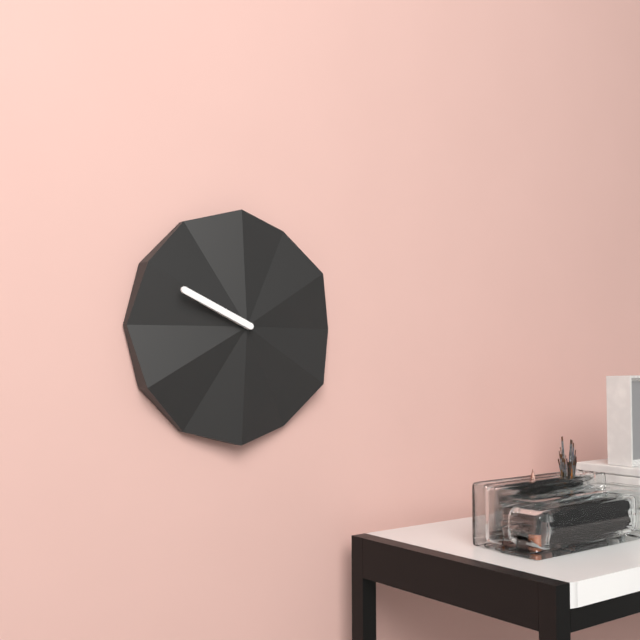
9:49
